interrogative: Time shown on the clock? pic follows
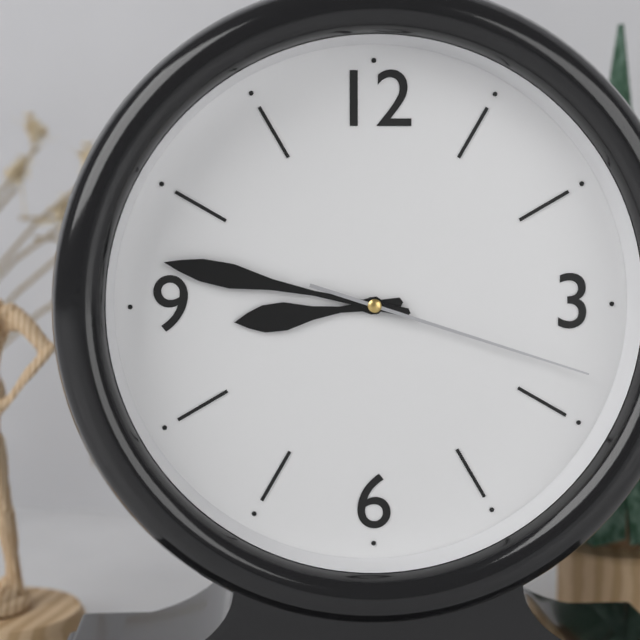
8:47:18
